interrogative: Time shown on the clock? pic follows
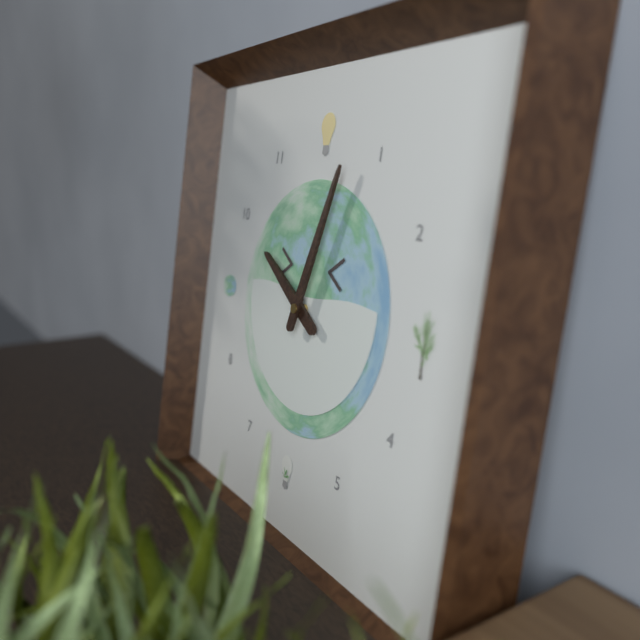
10:03
